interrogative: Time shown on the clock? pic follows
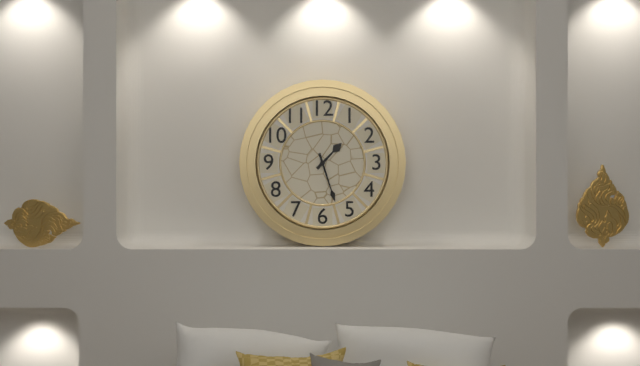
1:27
